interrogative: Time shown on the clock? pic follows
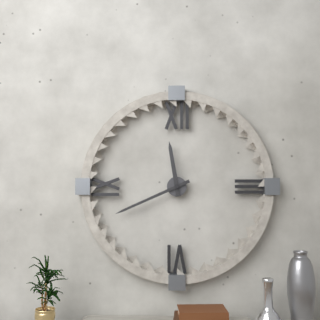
11:41
